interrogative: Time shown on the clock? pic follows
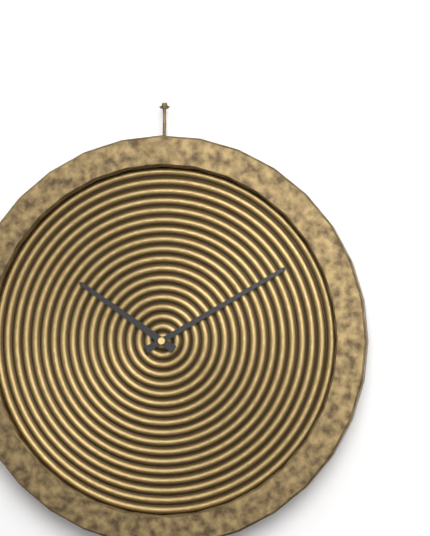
10:10
